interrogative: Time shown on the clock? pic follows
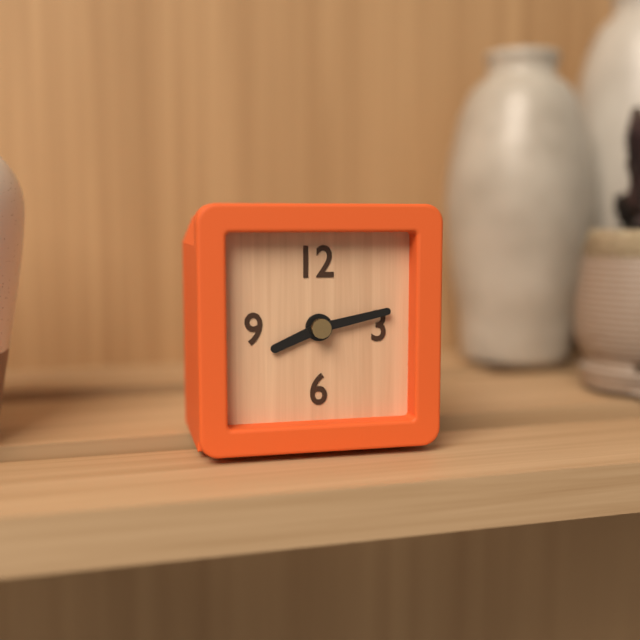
8:13
